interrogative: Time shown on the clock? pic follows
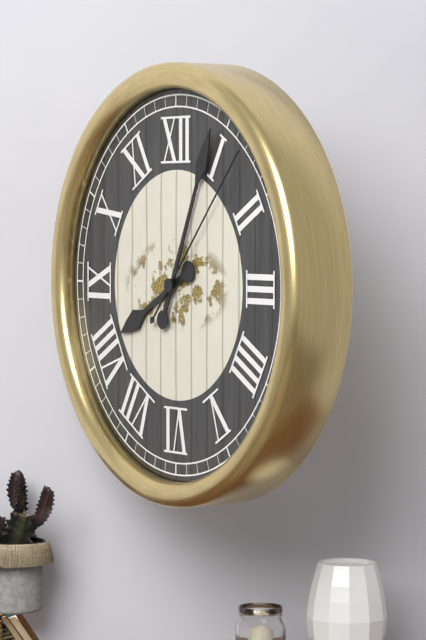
8:04:07
